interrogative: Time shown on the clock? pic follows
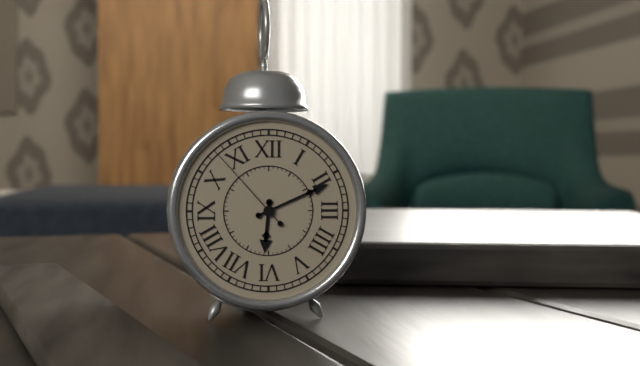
6:11:53
